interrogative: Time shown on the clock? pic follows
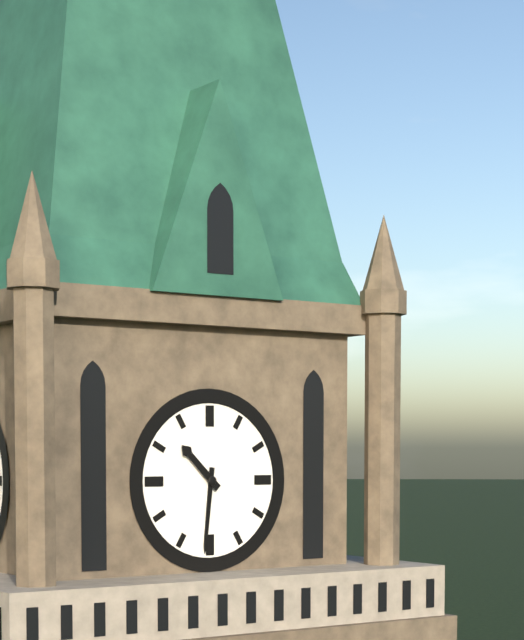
10:31
